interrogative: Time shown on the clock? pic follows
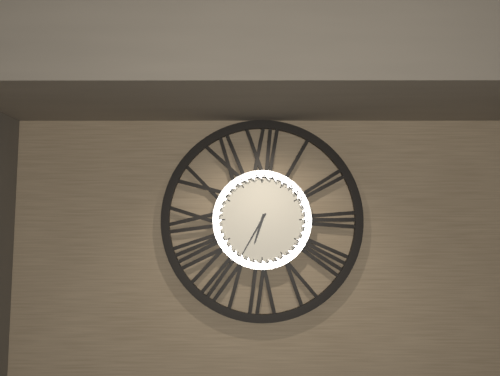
6:35
